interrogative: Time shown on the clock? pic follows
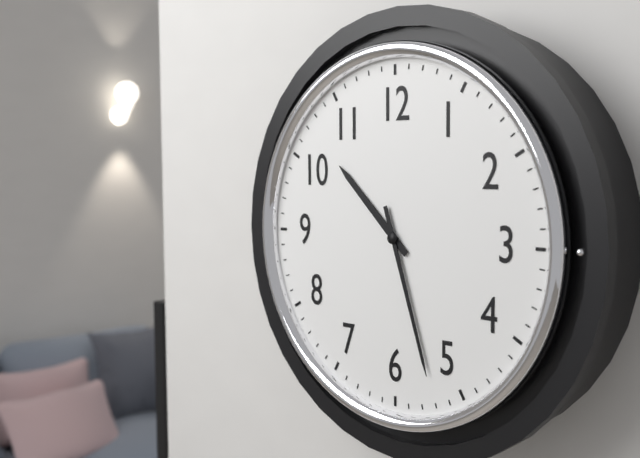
10:27
